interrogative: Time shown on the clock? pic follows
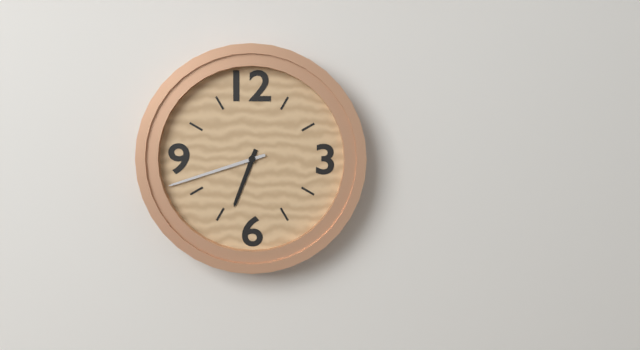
6:42
